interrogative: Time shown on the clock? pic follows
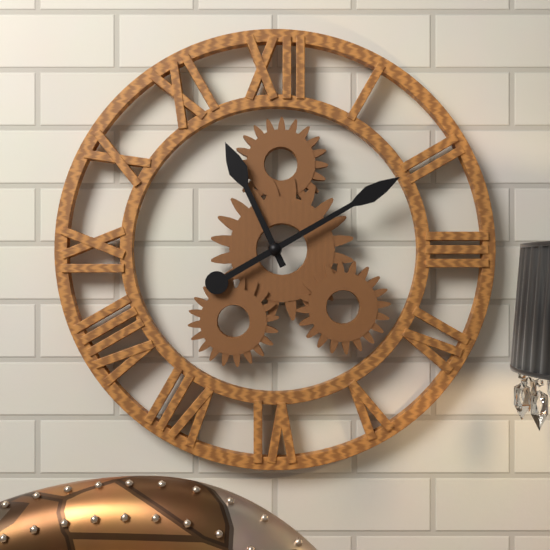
11:10
